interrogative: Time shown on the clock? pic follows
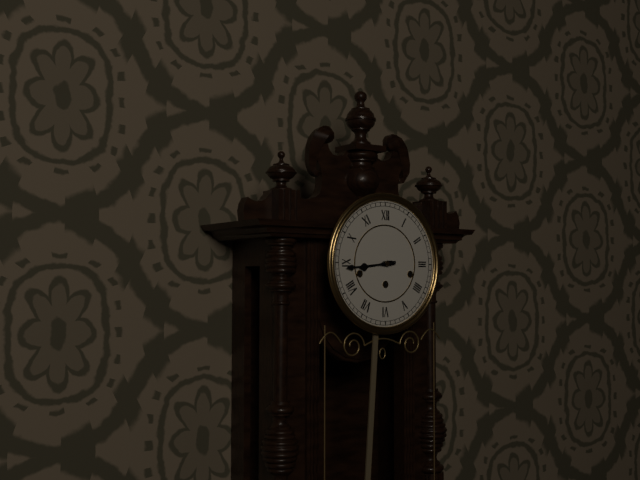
8:44
